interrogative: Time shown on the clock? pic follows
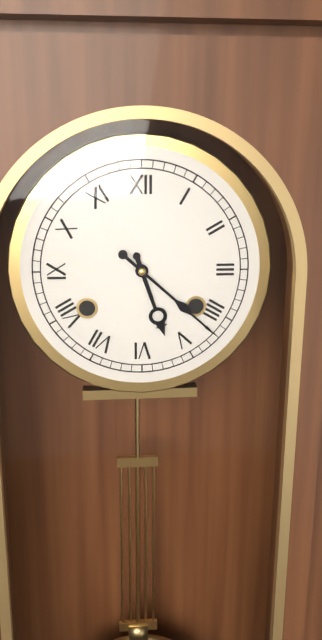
5:22
